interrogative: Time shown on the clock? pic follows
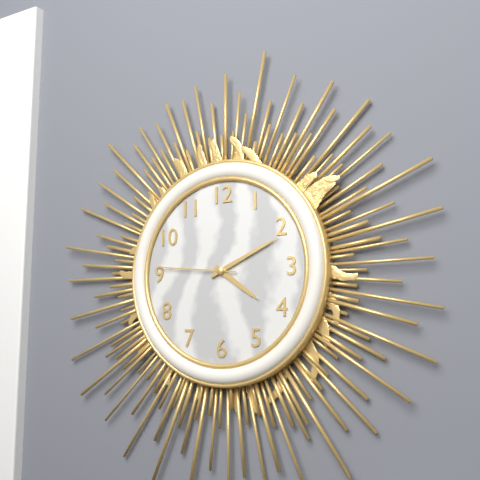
4:11:46
